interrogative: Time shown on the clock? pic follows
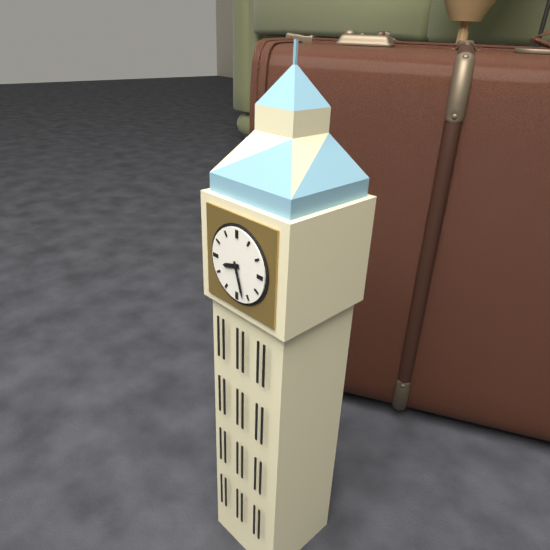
8:27
